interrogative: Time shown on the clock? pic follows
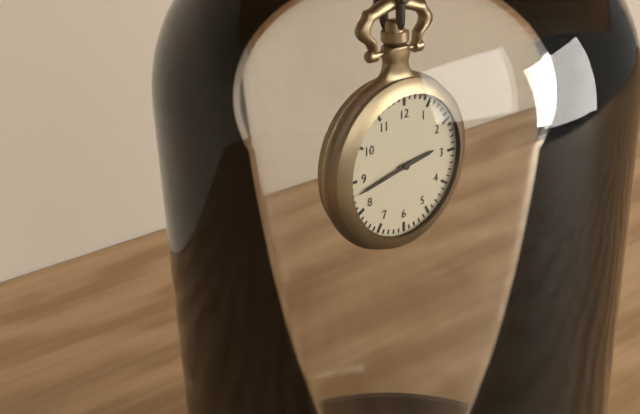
2:43
